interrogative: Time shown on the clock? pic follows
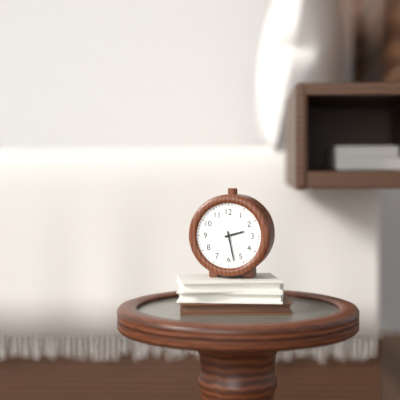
2:28
